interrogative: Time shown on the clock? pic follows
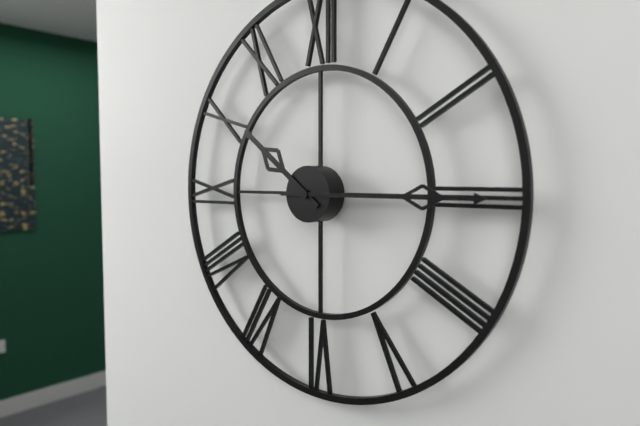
10:15
